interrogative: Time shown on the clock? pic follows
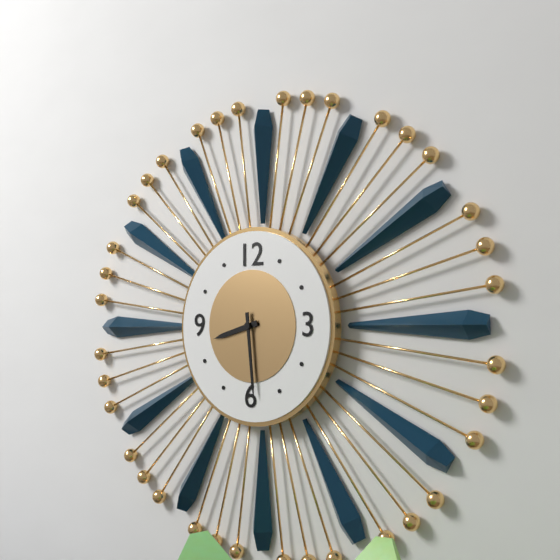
8:29
